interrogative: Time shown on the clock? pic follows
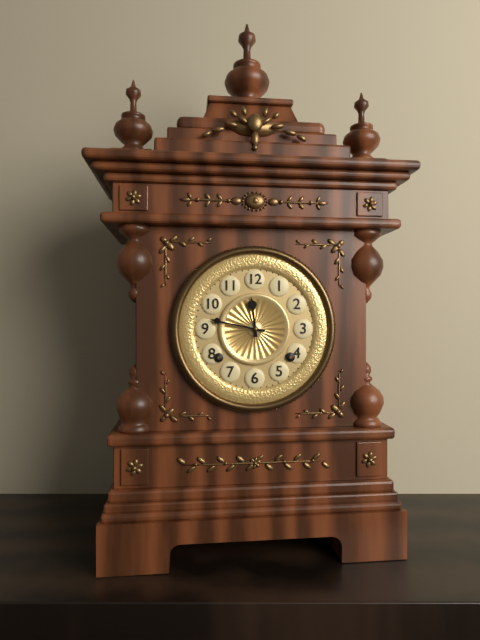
11:47
